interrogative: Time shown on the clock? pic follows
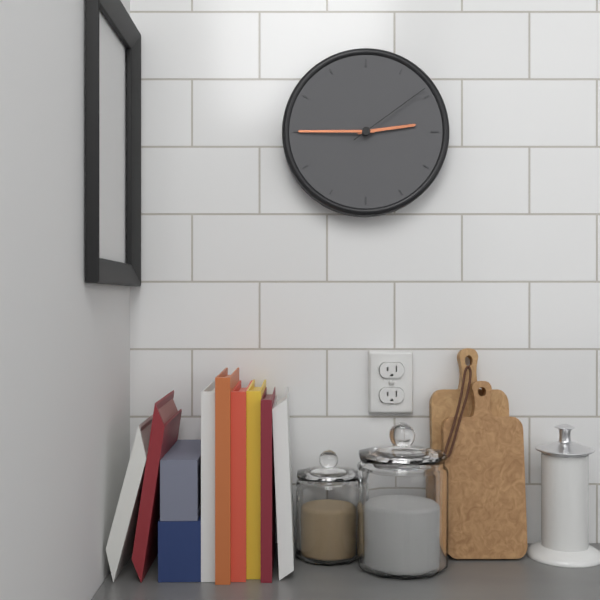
2:45:09
